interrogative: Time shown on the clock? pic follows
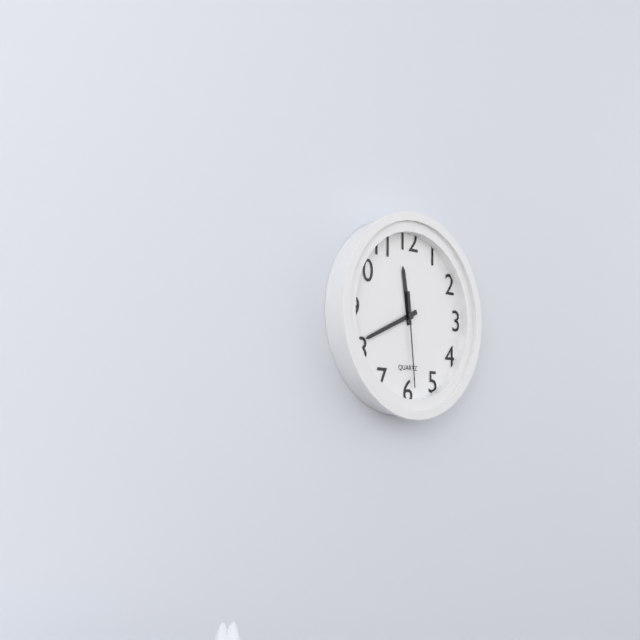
11:41:29
